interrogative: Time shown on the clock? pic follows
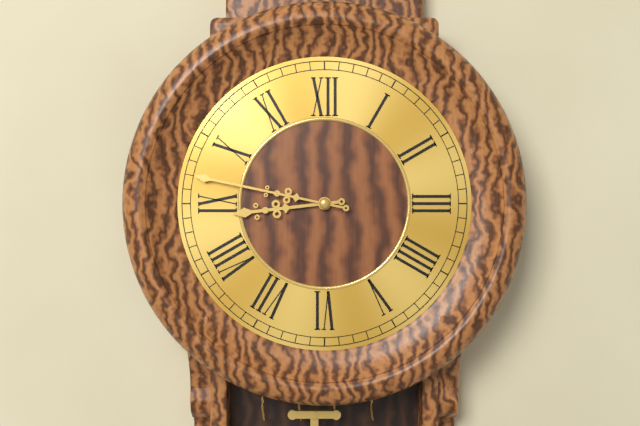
8:47
